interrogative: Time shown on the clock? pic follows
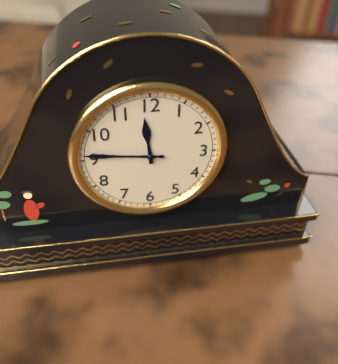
11:46
